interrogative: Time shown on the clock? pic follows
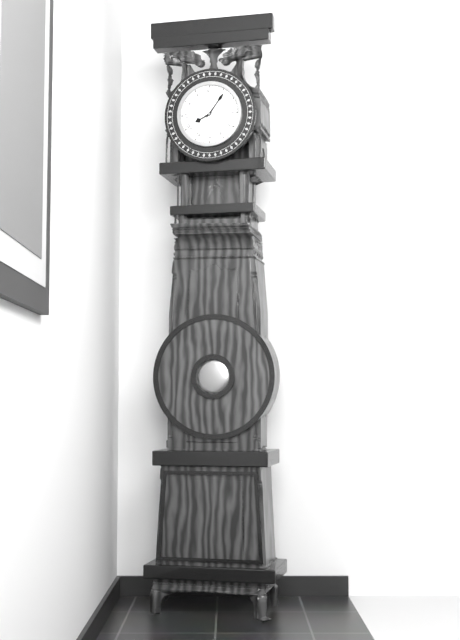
8:06
